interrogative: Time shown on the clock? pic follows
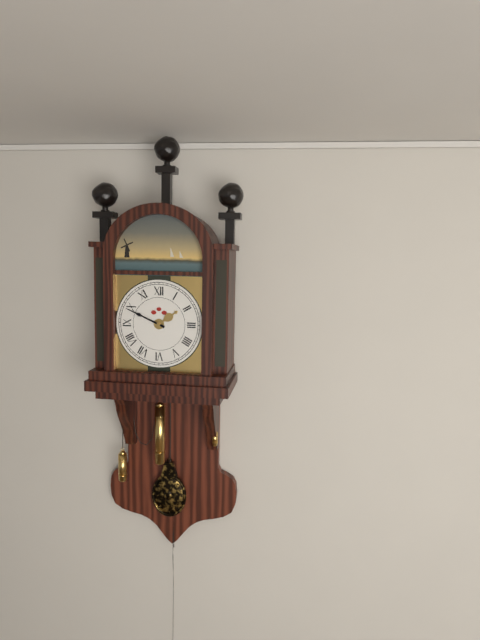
1:49
